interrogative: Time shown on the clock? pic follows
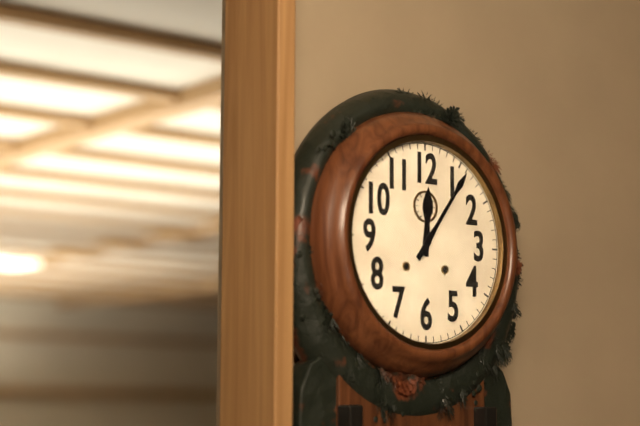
12:06
